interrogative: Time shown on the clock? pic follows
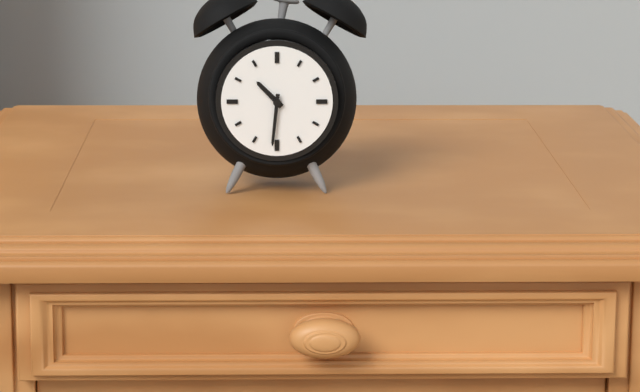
10:31
